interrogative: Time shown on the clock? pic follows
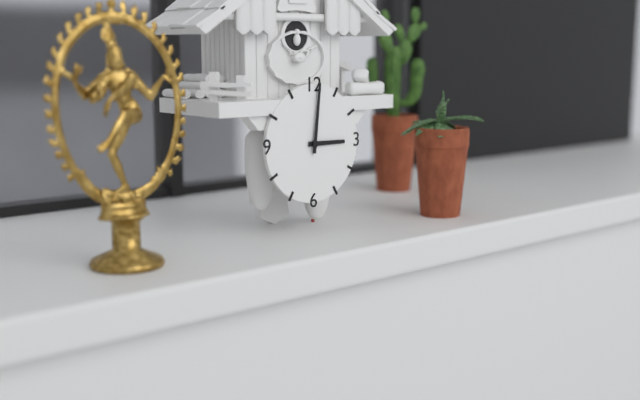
3:01
